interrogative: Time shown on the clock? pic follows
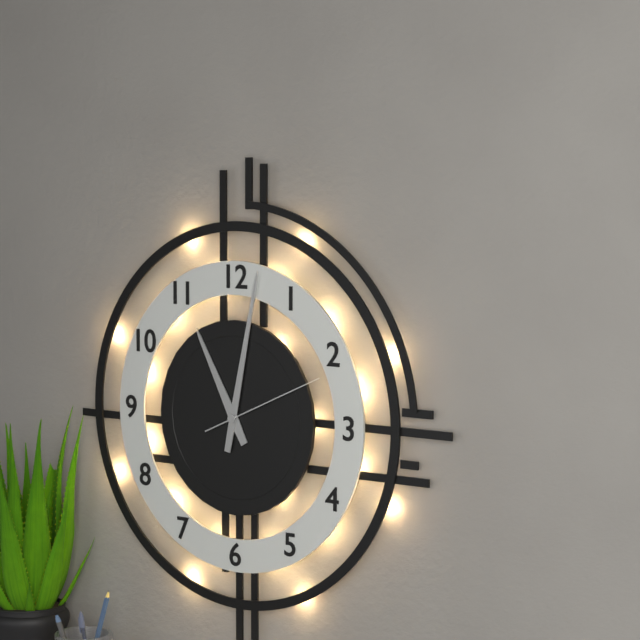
11:02:11
